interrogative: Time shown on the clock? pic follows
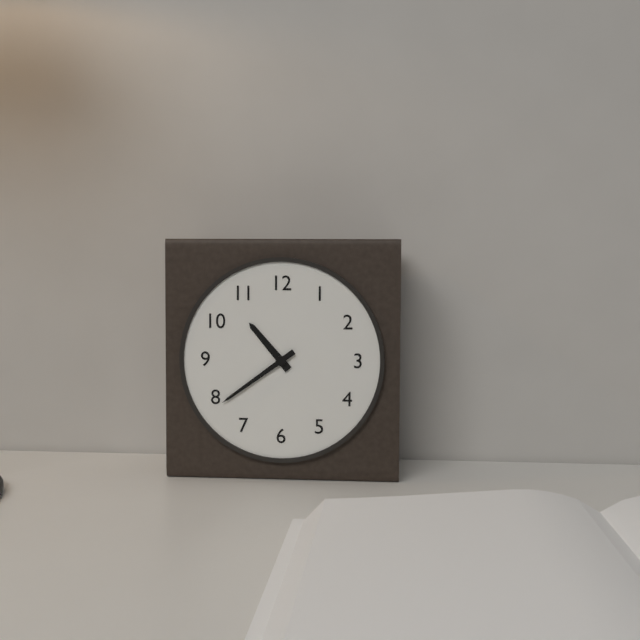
10:39
